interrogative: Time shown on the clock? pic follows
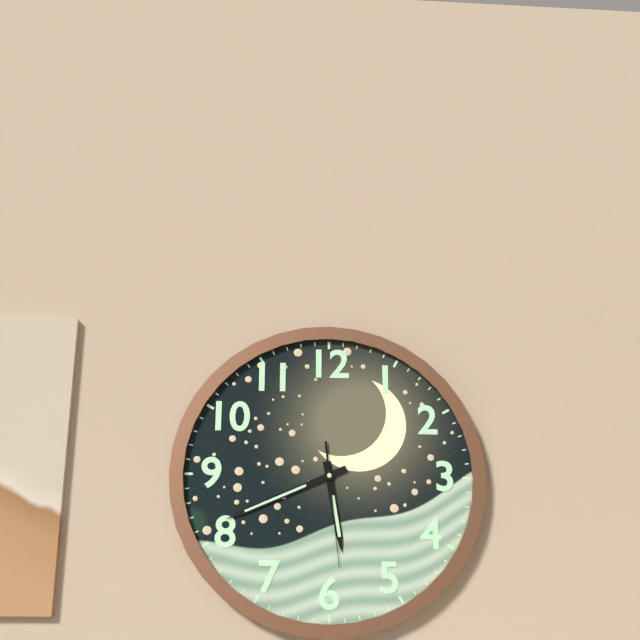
5:41:29
